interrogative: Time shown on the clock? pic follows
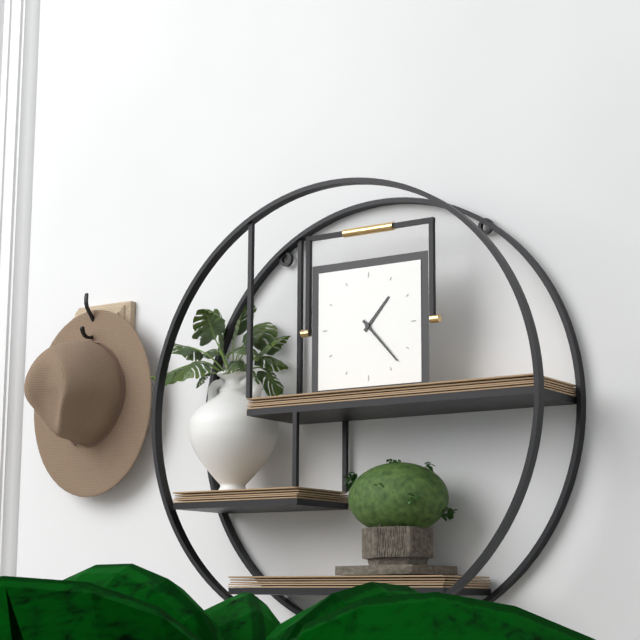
1:23
